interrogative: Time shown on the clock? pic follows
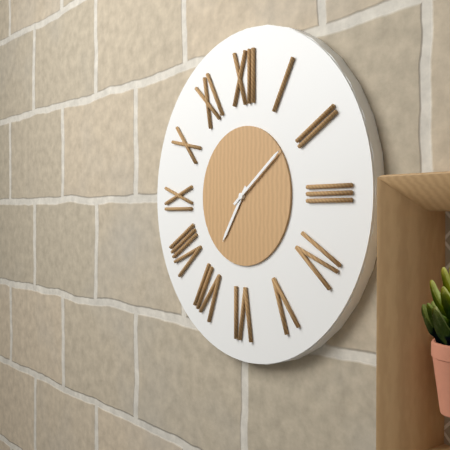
7:09
